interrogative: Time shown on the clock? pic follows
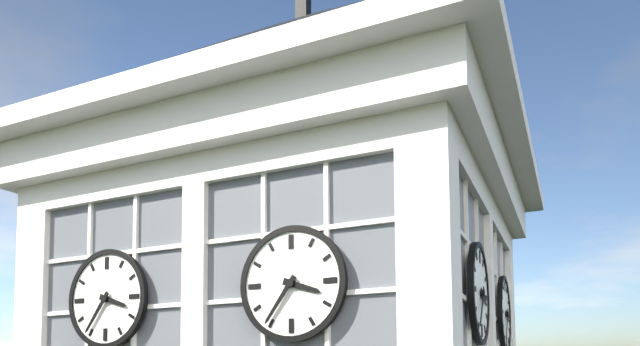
3:36
